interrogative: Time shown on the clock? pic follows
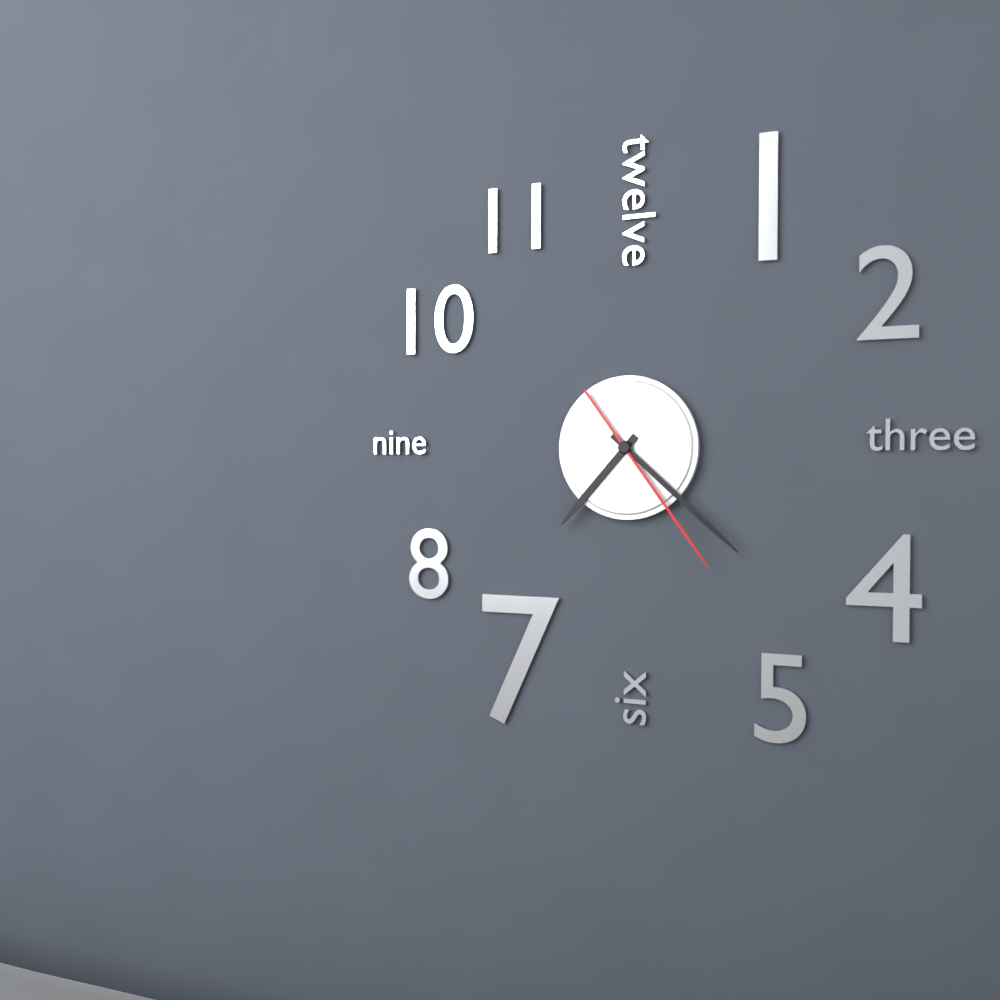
7:22:24
